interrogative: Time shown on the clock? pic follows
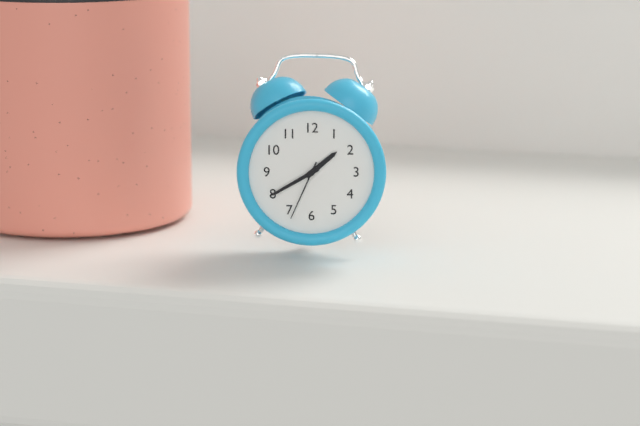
1:40:34
